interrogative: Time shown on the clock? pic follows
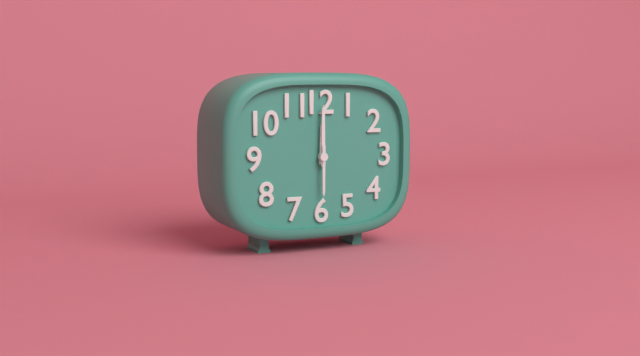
12:00:30
